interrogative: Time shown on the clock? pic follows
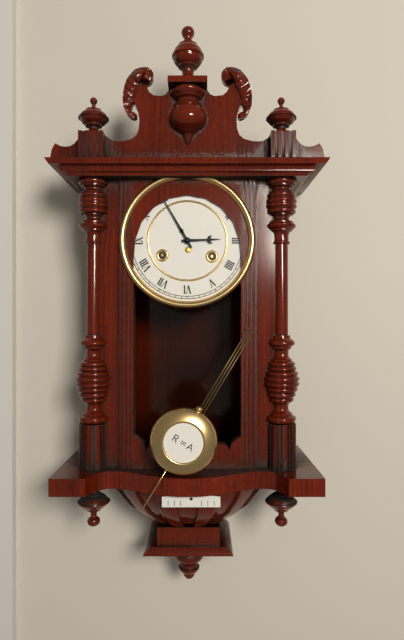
2:55
